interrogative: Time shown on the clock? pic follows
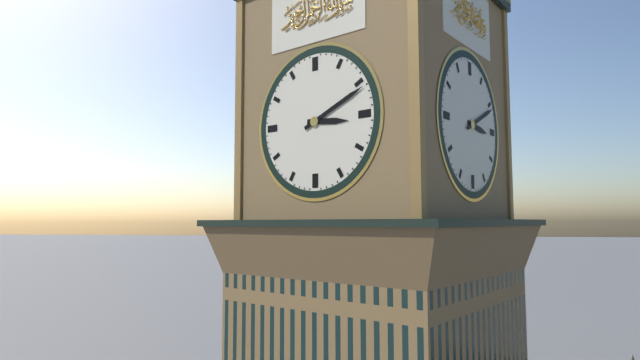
3:11
